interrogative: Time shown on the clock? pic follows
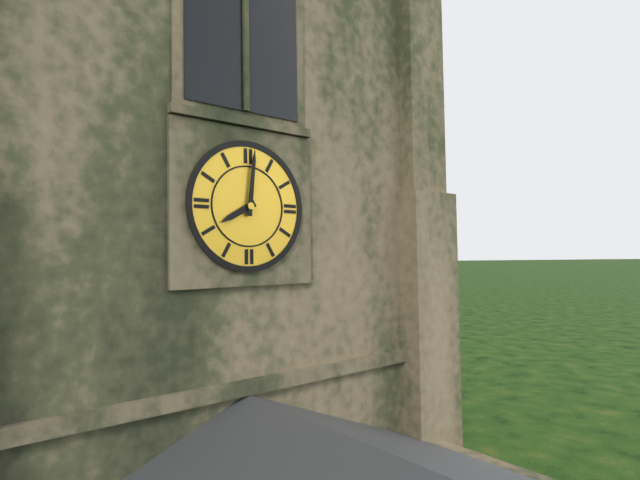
8:01
